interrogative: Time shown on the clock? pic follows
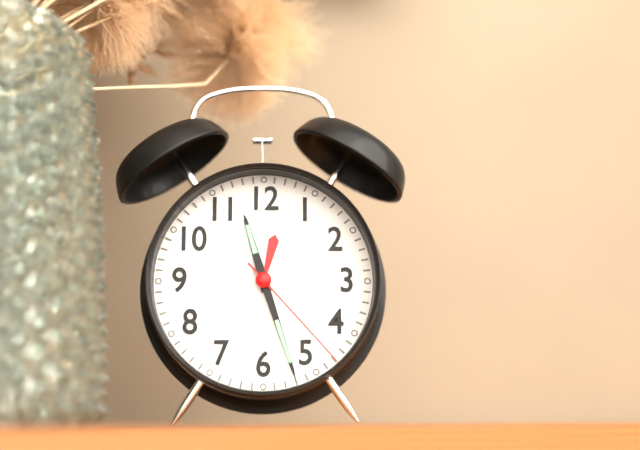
11:27:23
